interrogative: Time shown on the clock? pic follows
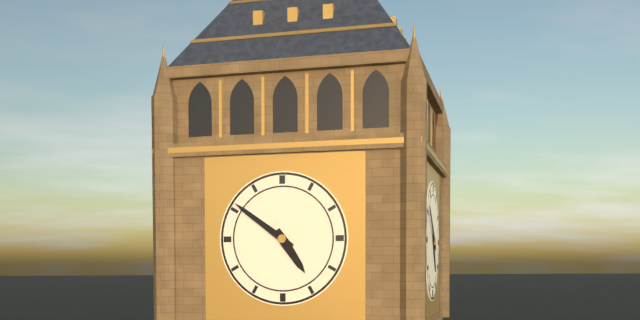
4:51
